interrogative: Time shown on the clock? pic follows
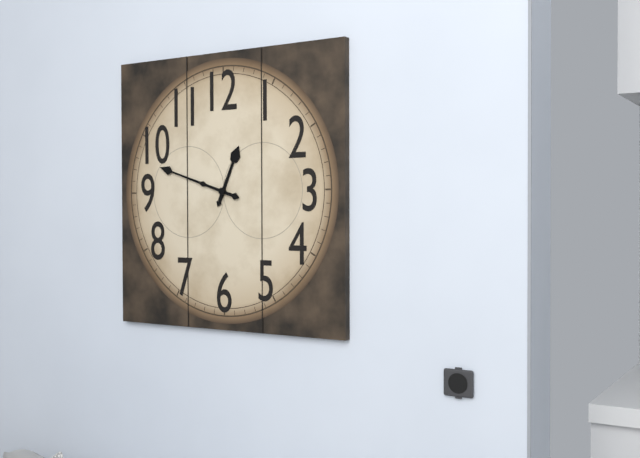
12:48
